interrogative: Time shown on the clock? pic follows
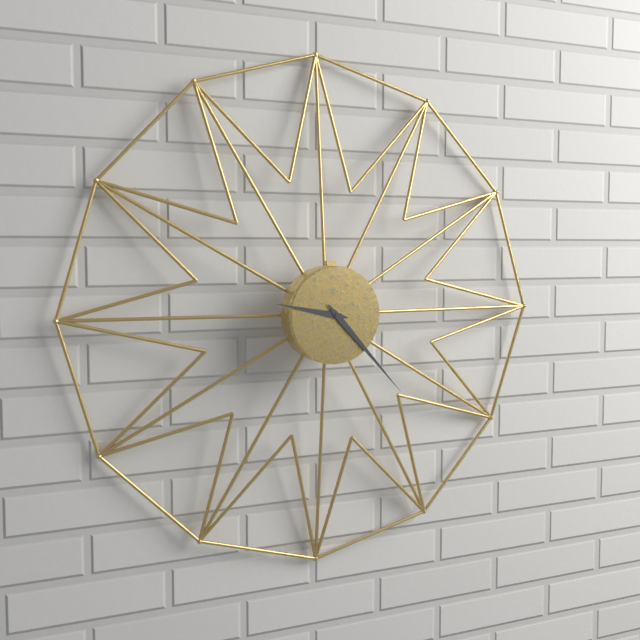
9:23
